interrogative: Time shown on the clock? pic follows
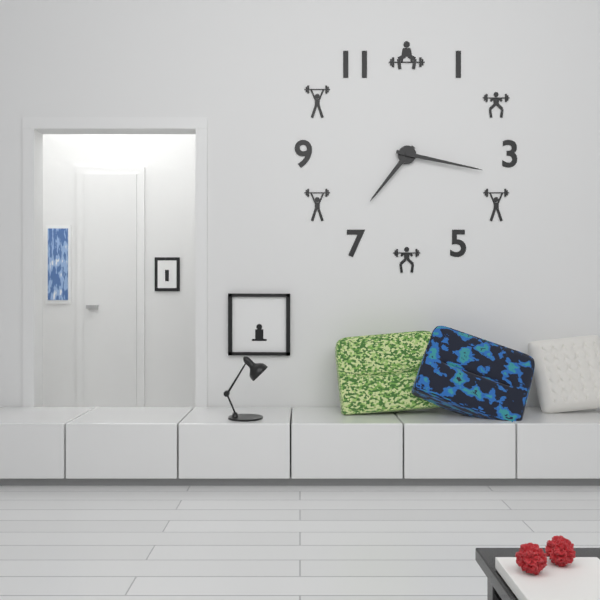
7:17
